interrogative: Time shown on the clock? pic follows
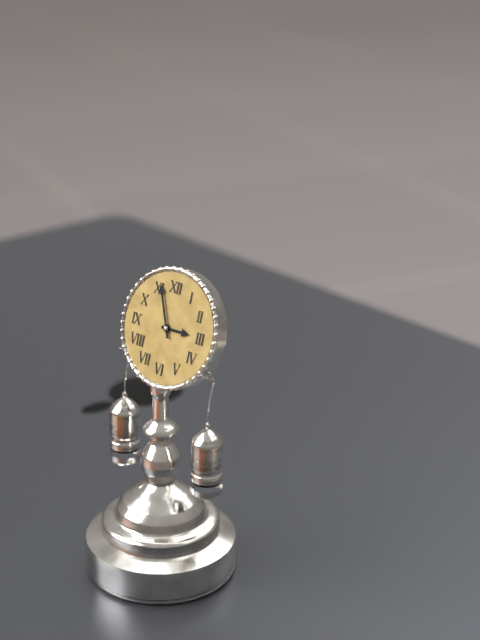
2:56
